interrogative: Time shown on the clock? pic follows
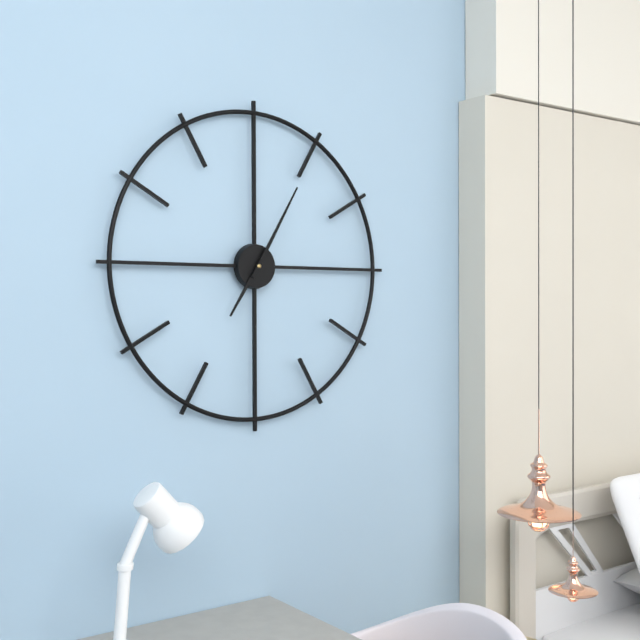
7:05
